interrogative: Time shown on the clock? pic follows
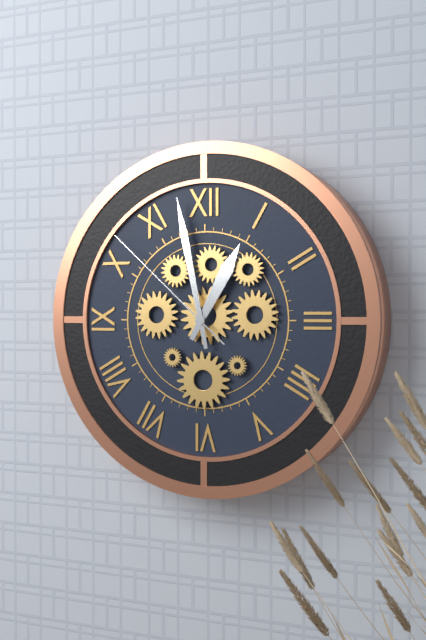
12:58:52
